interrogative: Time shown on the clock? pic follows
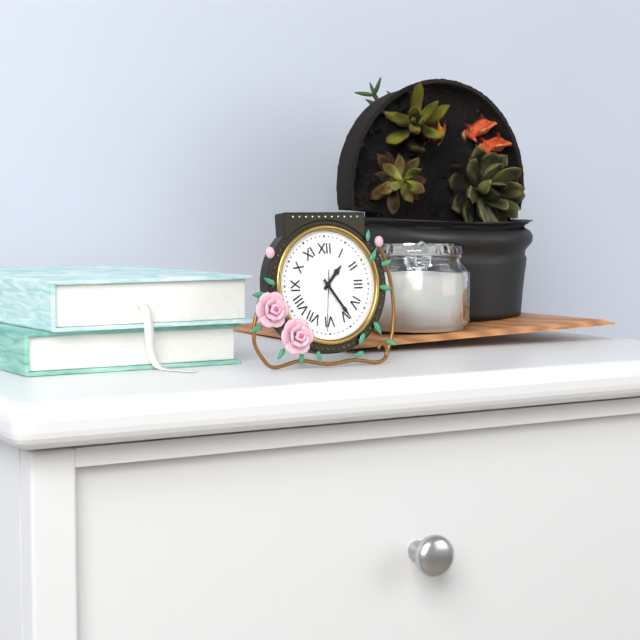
1:24:31
